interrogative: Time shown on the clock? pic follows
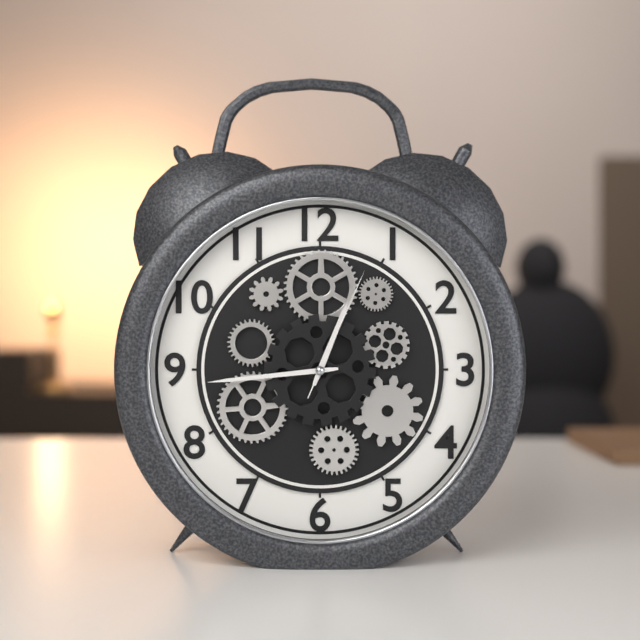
12:44:04
